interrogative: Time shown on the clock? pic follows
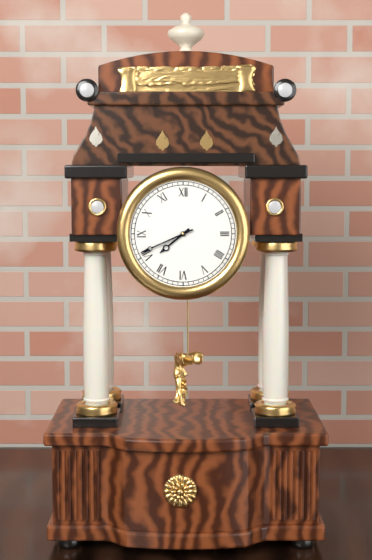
7:41
